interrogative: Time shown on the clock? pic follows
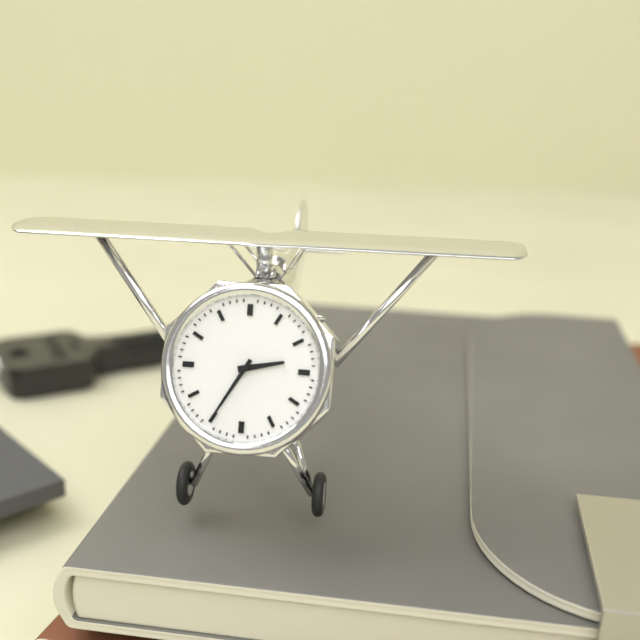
2:35
